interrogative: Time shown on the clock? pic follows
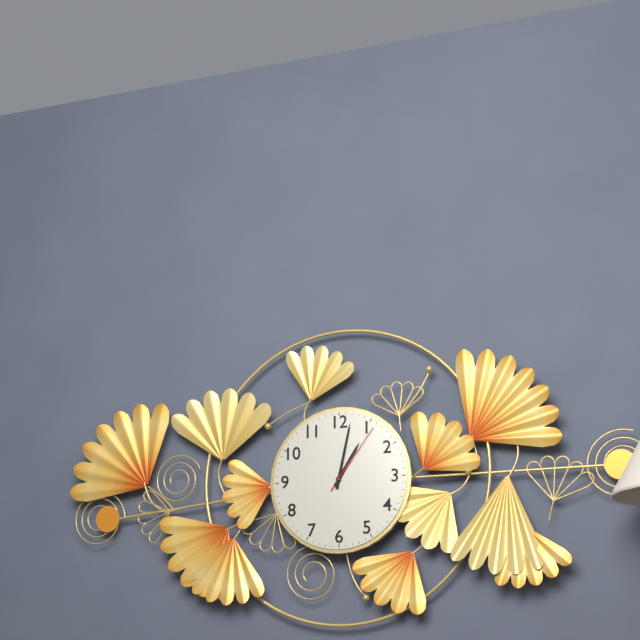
1:02:06
